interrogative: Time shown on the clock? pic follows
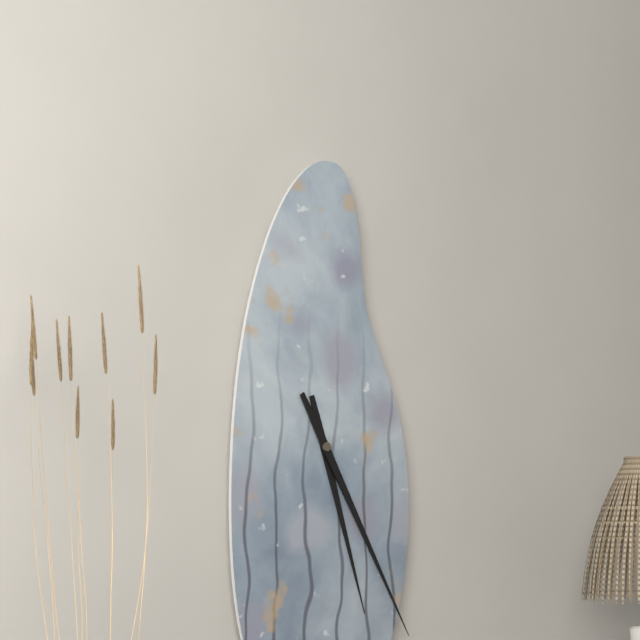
5:25
